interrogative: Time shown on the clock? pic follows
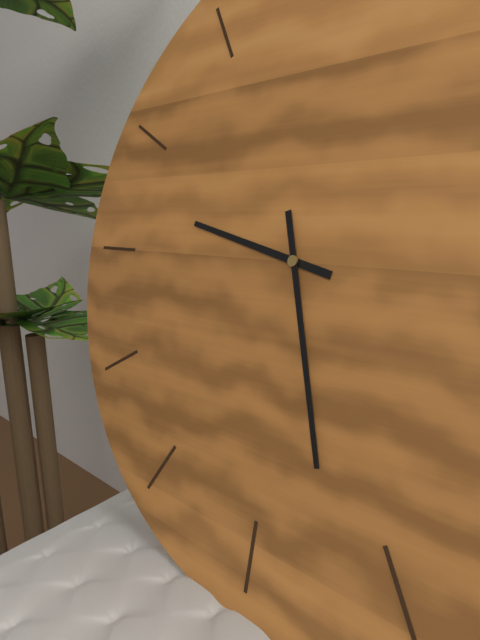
9:27
